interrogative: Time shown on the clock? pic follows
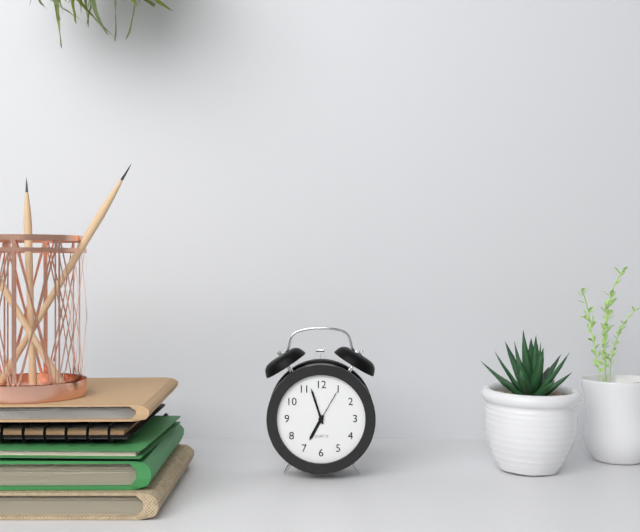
6:57
